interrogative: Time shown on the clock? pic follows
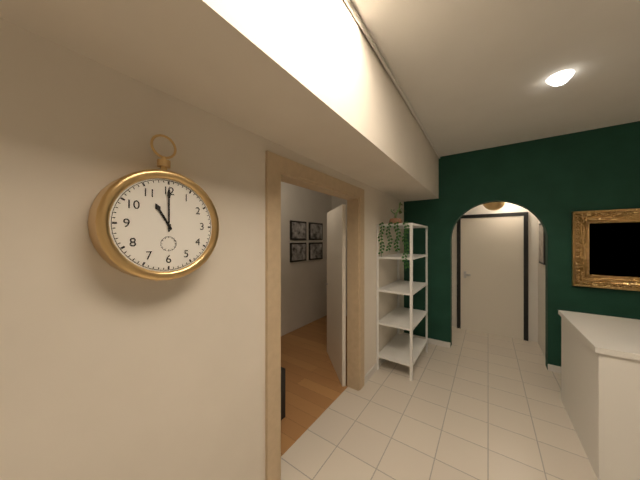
11:00
